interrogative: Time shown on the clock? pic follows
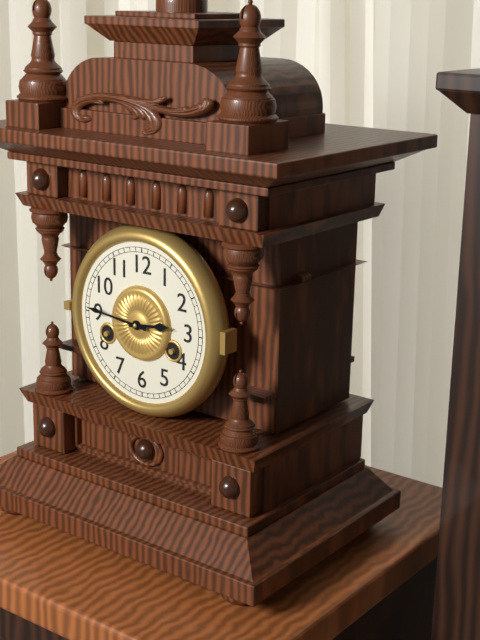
2:46
